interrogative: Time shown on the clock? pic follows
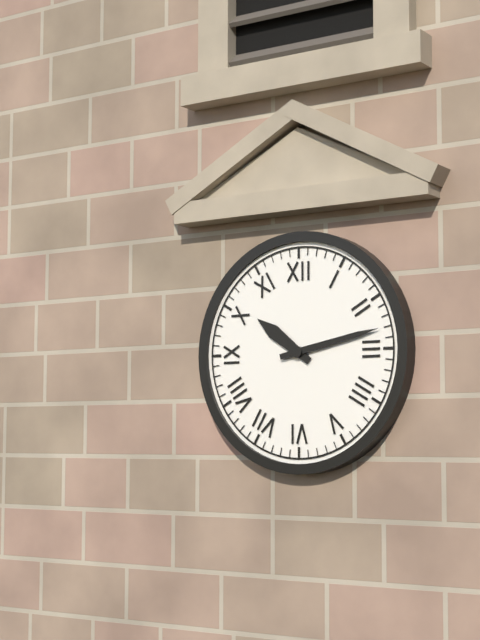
10:13
